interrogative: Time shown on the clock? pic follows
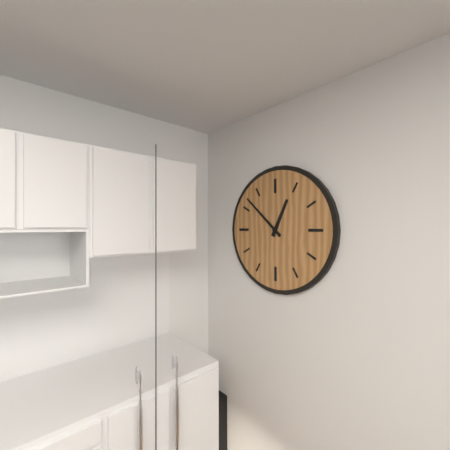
12:52
